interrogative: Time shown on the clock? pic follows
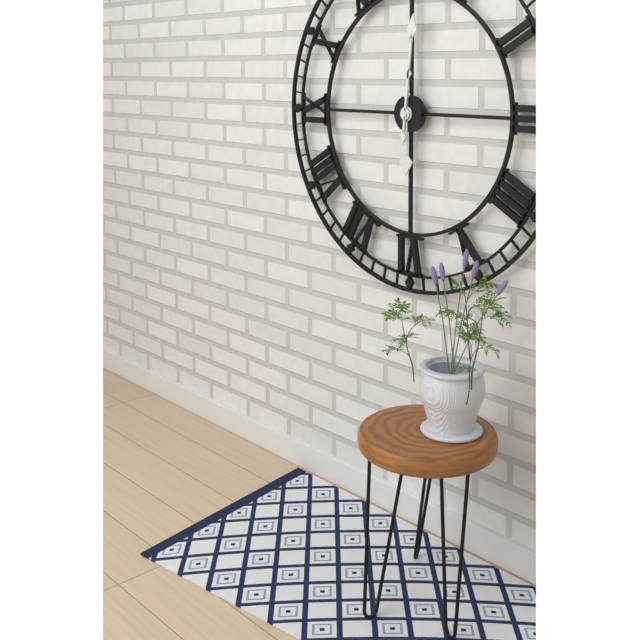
6:01
